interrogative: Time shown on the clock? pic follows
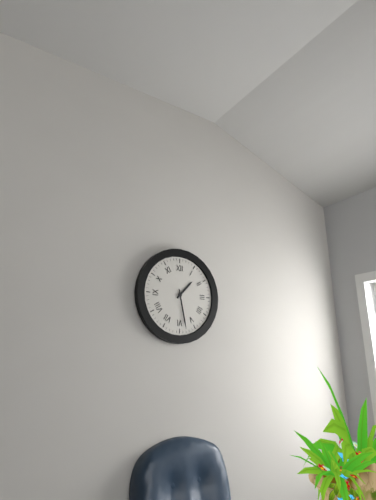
1:28
